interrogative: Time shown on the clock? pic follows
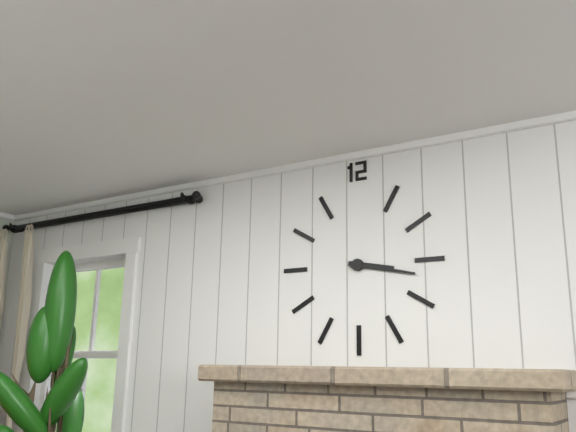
3:17
